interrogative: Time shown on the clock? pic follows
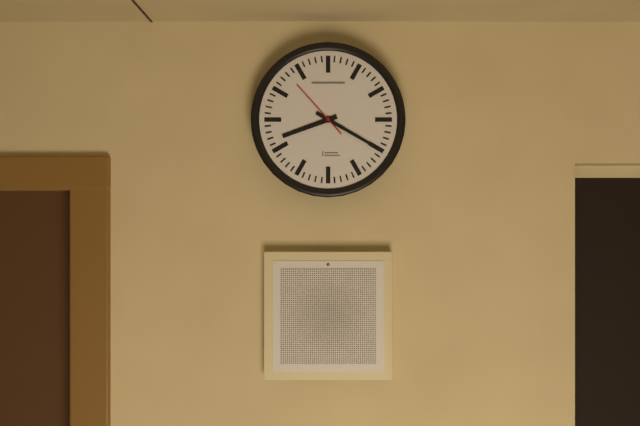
8:20:53
